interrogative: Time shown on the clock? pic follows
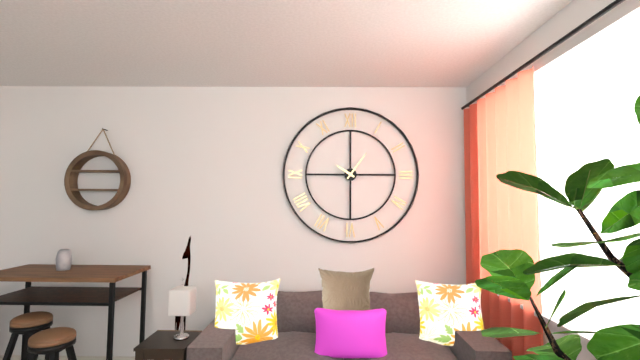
10:06
